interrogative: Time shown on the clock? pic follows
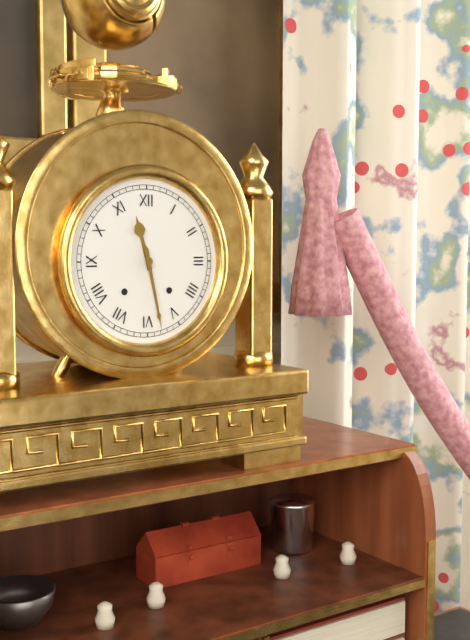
11:28
